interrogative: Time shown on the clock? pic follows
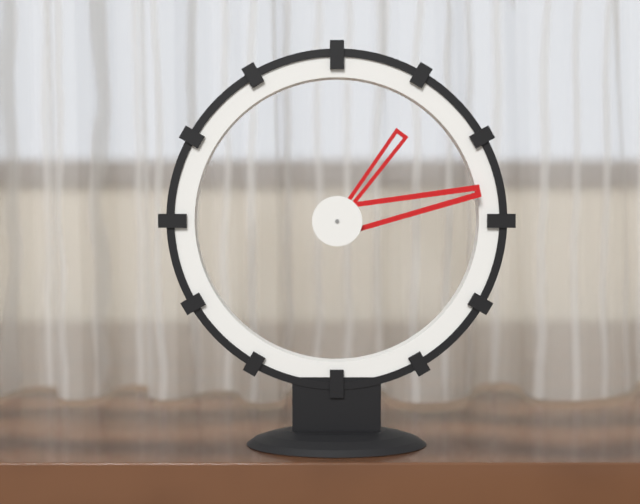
1:13
